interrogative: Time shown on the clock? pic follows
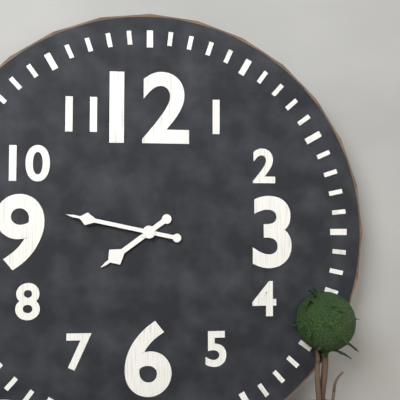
7:47
